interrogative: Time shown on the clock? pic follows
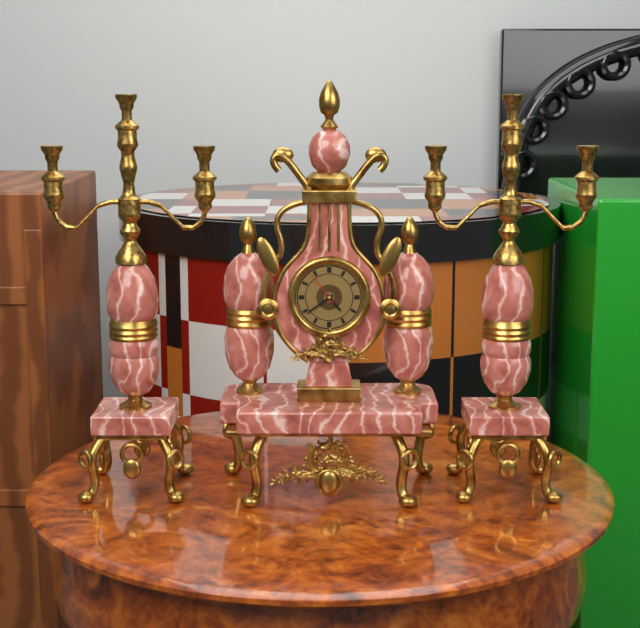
4:39
